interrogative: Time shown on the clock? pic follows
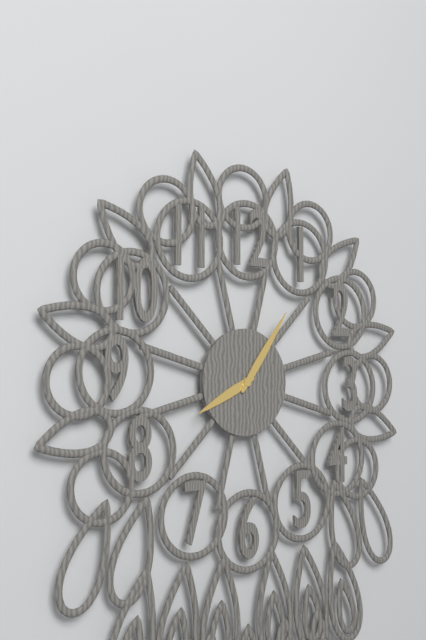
8:06
